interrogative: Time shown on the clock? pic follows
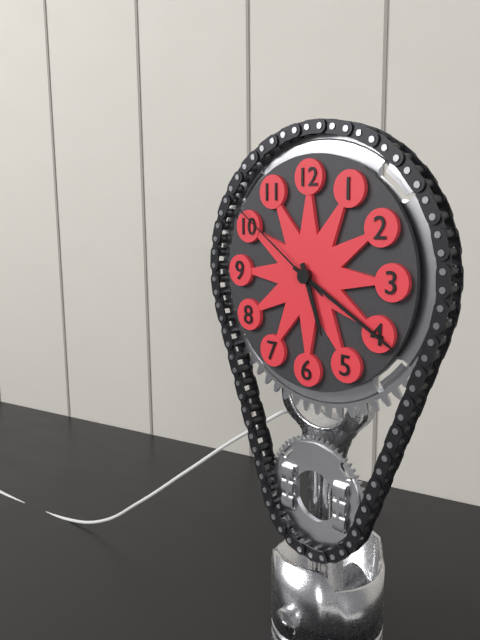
5:20:51
